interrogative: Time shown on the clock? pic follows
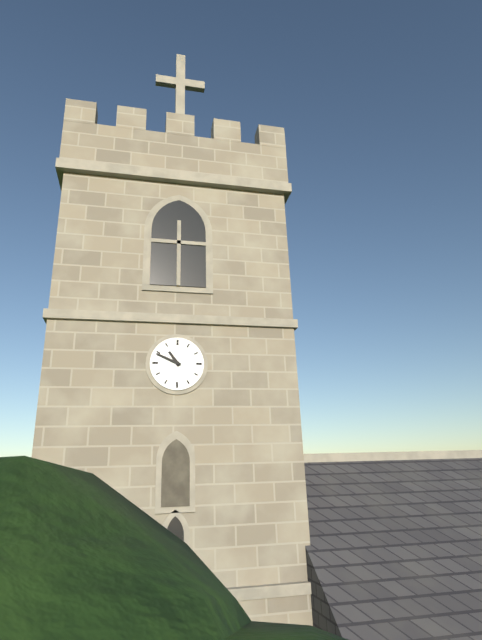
10:49
